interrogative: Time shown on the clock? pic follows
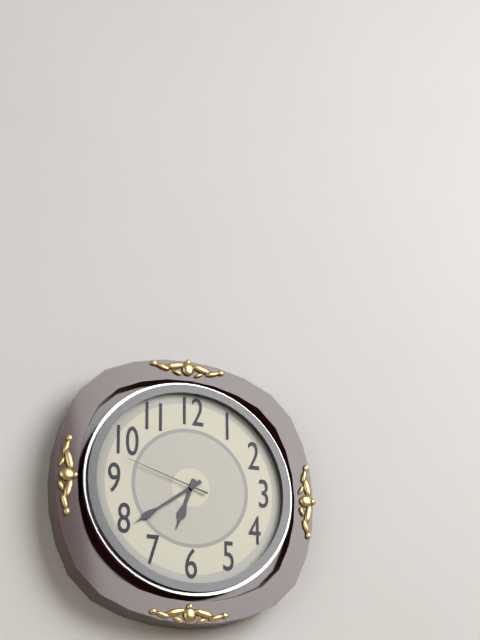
6:39:48
